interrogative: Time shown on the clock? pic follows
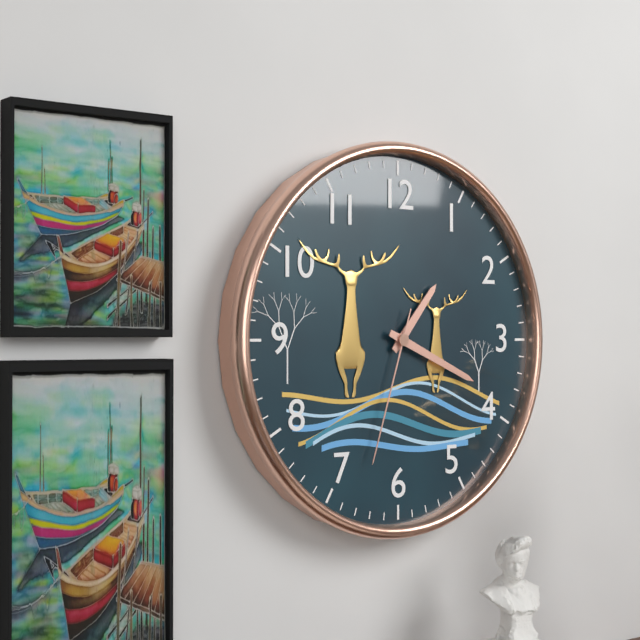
1:19:33
